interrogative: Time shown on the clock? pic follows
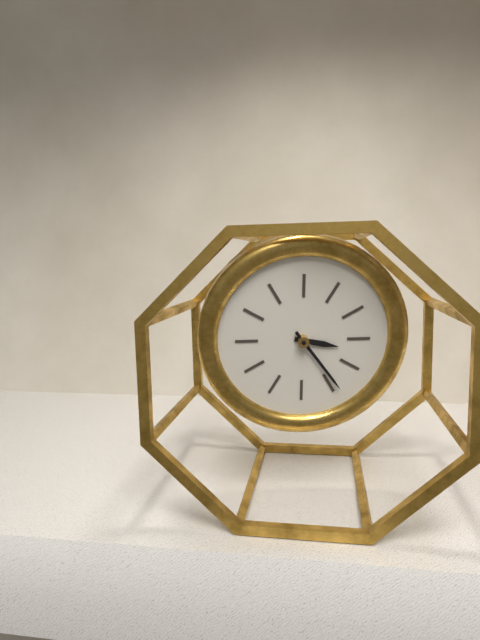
3:24
